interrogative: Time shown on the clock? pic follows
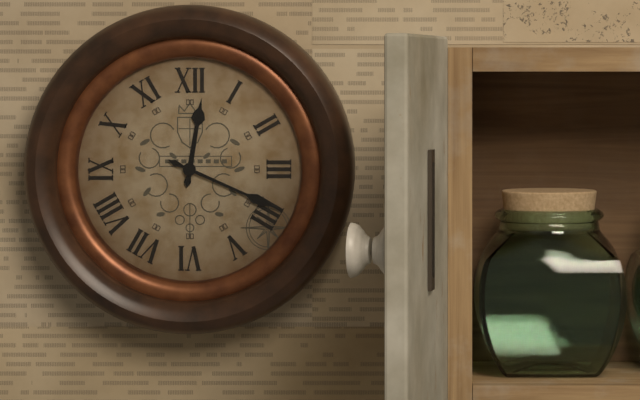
12:19
